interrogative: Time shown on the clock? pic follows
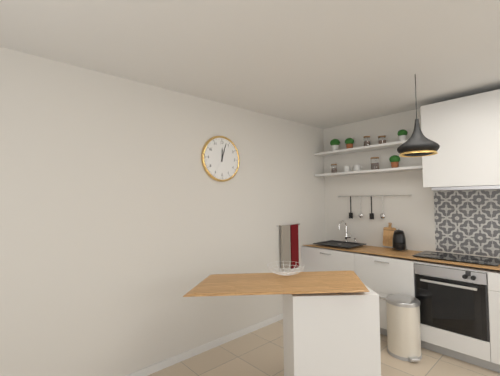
12:03
